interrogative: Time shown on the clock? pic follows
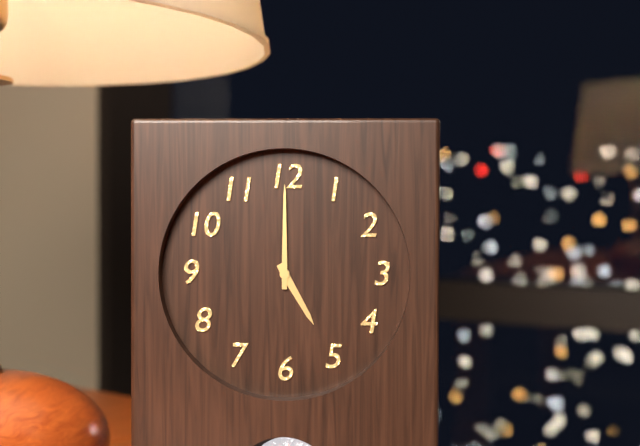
5:00
